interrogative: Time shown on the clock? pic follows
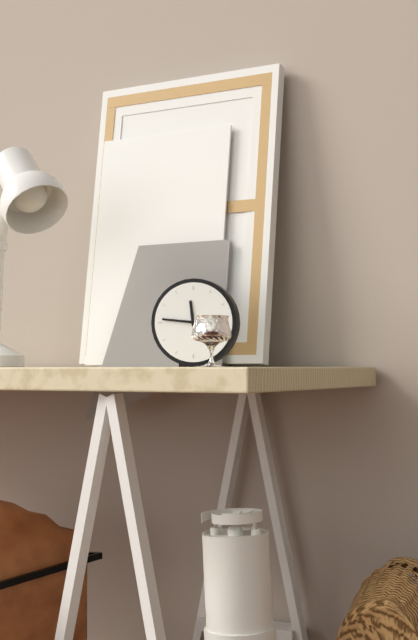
11:46
